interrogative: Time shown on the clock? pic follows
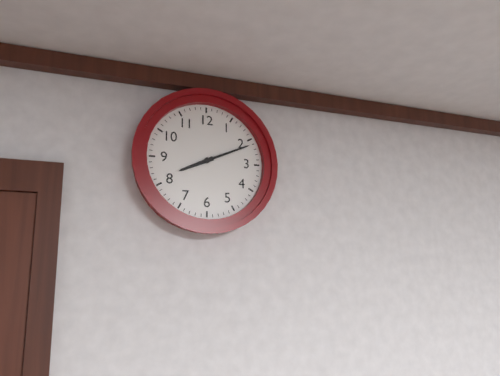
8:11
